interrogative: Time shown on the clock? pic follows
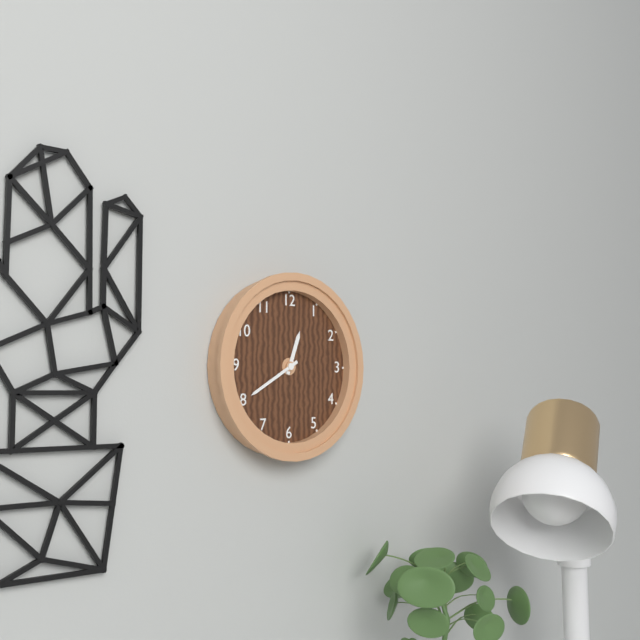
12:40
